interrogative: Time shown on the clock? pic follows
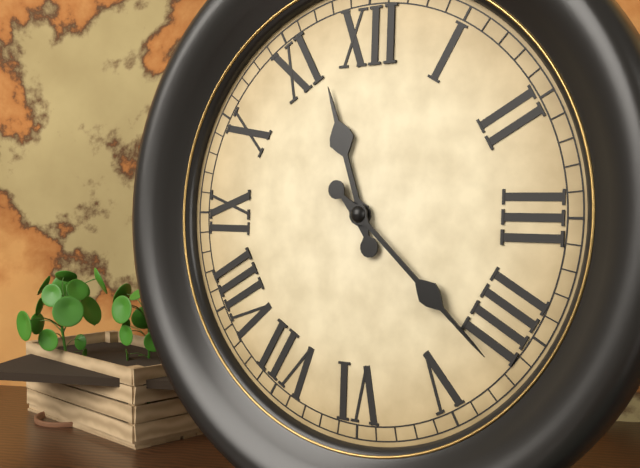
11:22
